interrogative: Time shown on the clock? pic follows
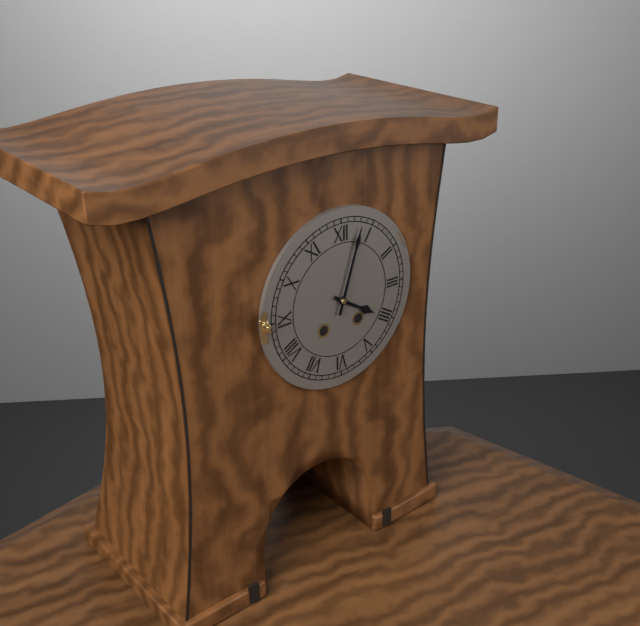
4:03
